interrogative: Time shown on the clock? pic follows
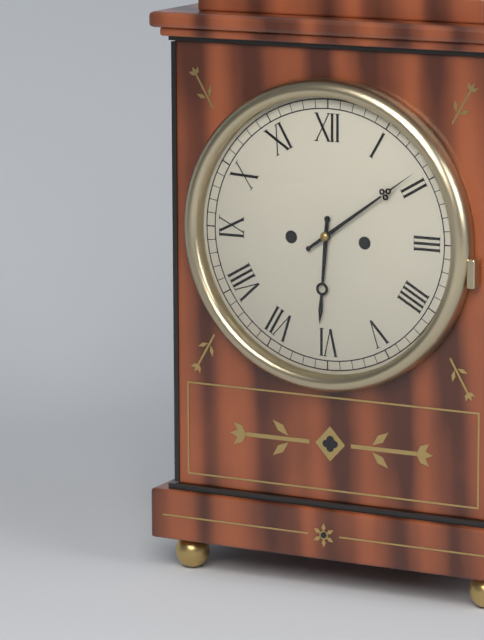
6:09
